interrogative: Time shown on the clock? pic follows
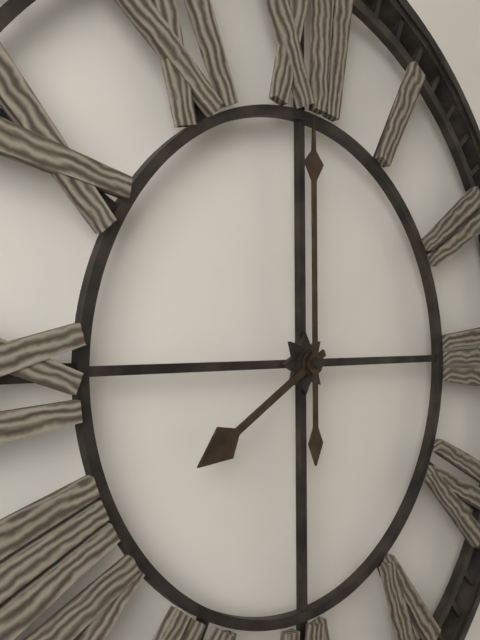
8:00
